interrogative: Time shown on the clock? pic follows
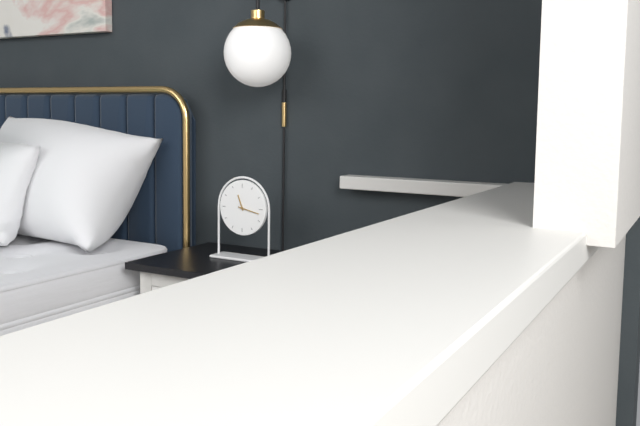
11:17
